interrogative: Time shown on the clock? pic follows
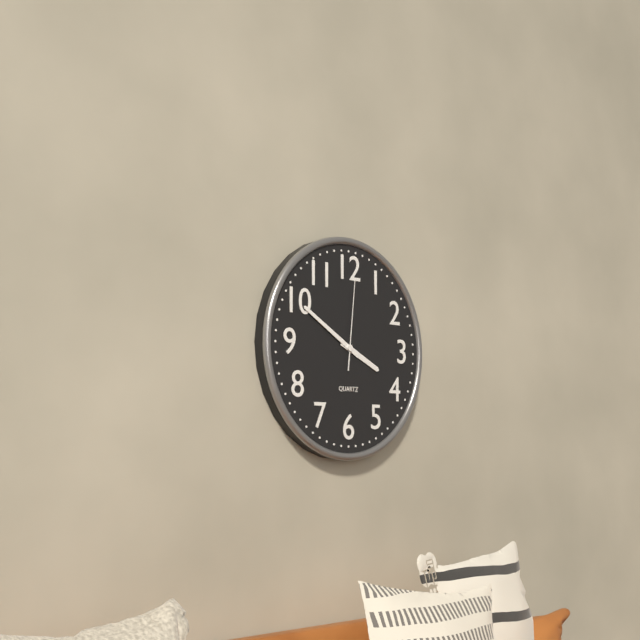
3:50:01
